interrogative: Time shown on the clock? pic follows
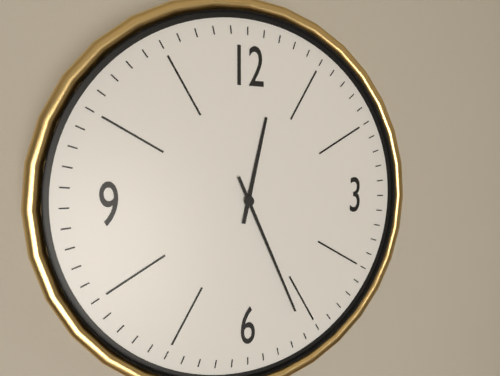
12:26
